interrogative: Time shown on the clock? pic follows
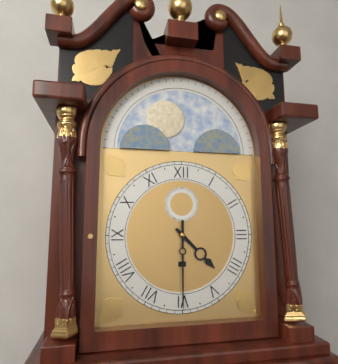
4:30
